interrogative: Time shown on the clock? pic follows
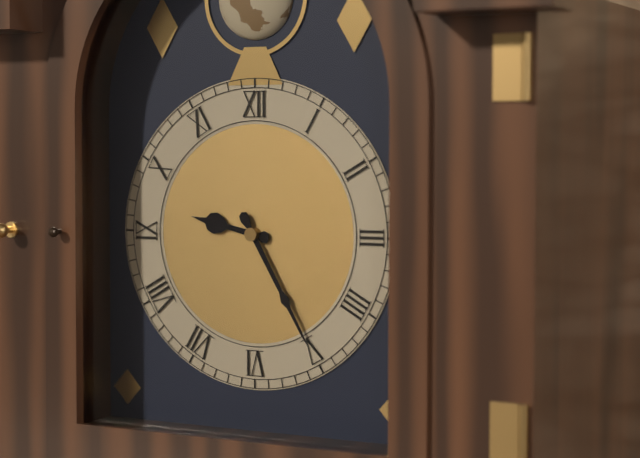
9:25
